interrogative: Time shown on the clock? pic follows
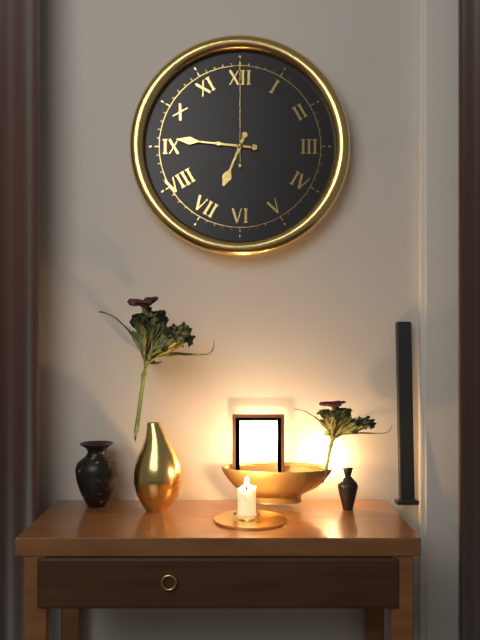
6:46:00
